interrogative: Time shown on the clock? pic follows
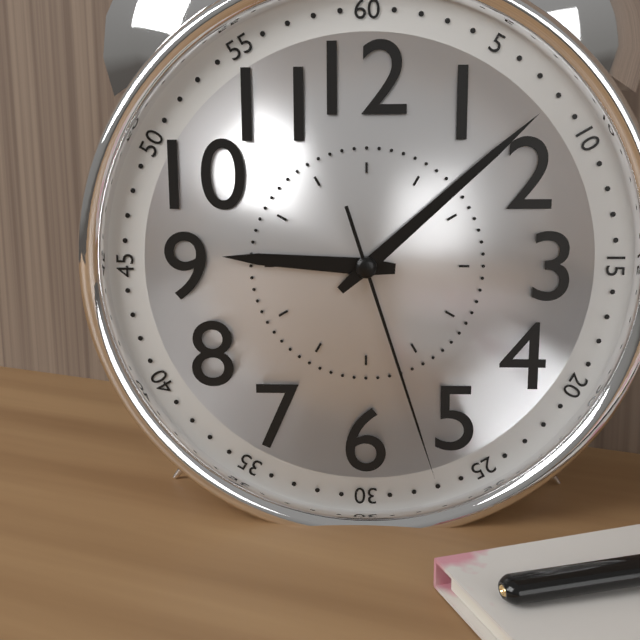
9:08:27
